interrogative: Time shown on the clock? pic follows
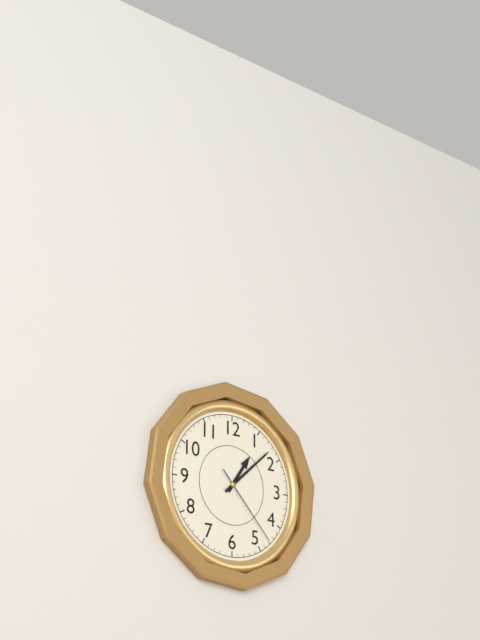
1:08:23
